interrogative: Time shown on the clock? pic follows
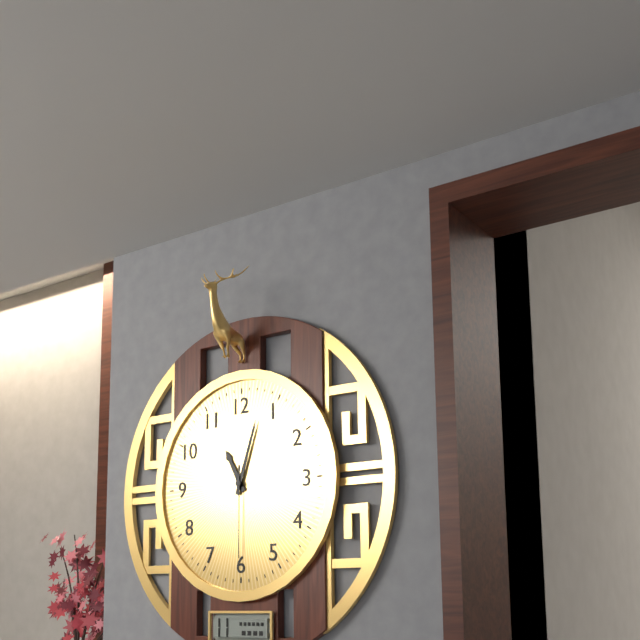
11:03:30
